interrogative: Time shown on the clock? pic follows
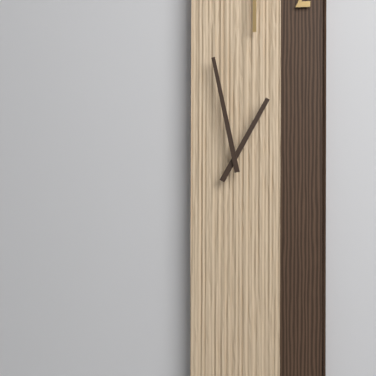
12:58
